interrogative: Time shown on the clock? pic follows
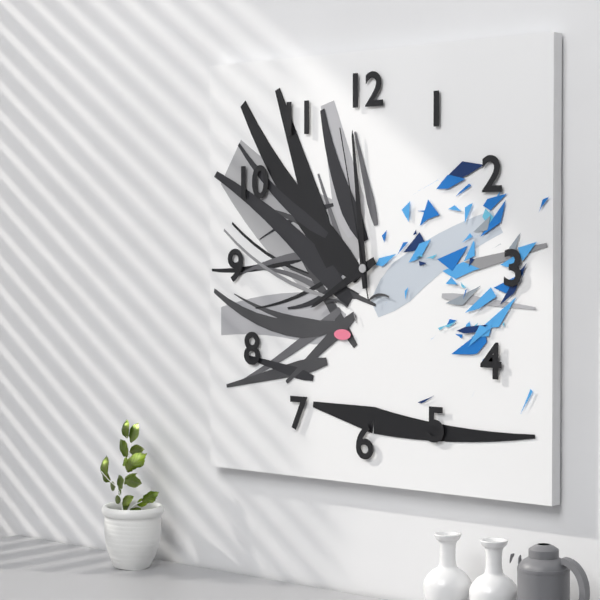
7:59:58
